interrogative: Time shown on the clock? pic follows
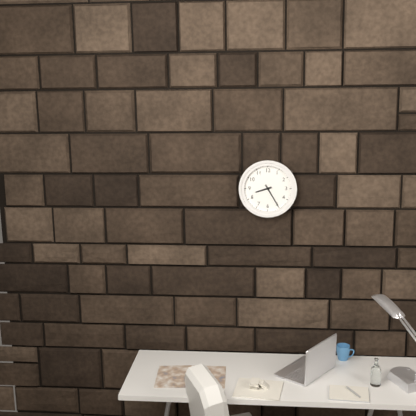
8:25
